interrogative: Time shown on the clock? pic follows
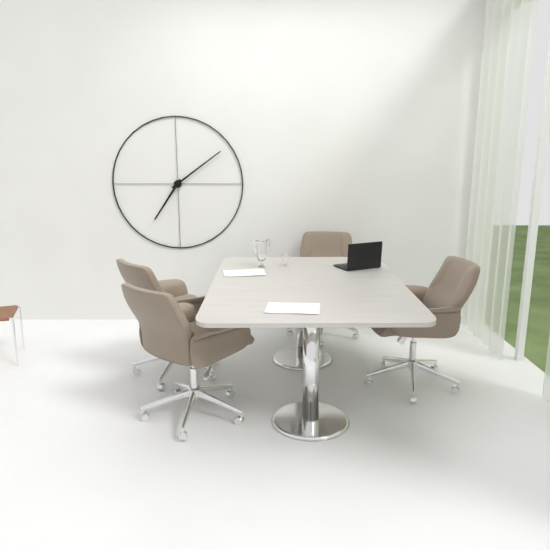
7:09
